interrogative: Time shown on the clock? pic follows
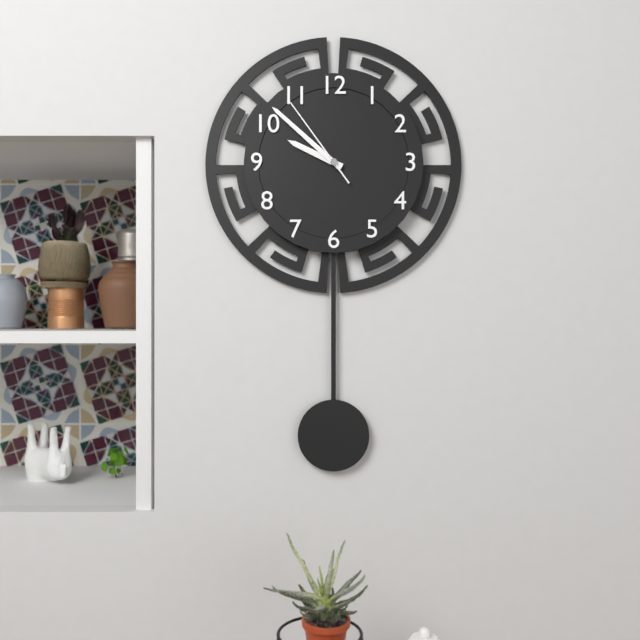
9:52:54
